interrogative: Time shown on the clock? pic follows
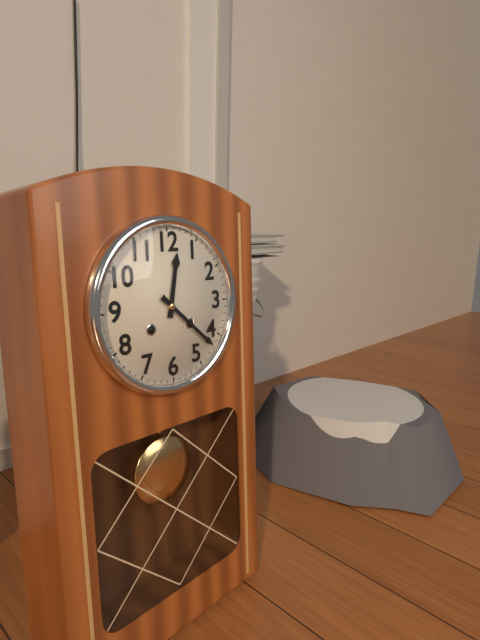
12:22
